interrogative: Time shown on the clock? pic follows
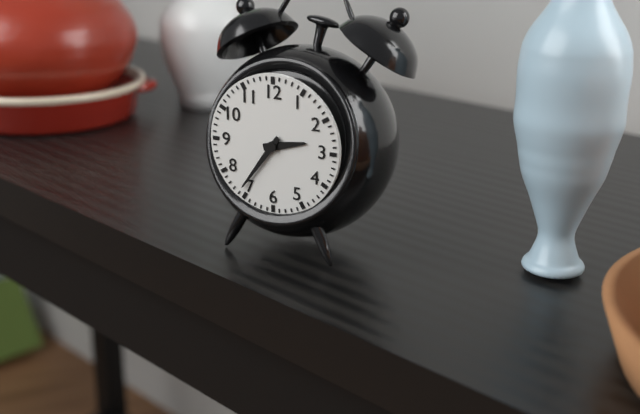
2:36
